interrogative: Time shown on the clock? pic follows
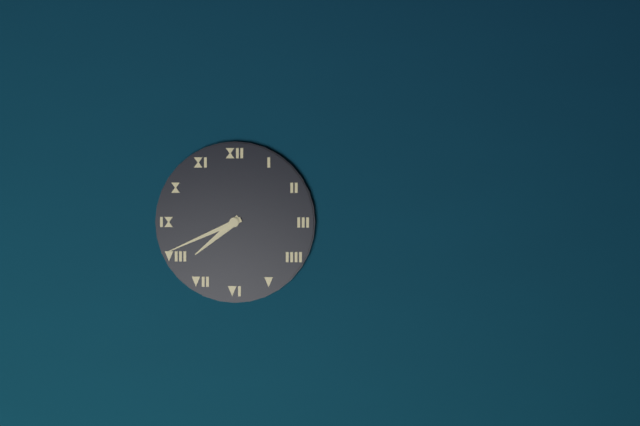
7:41
